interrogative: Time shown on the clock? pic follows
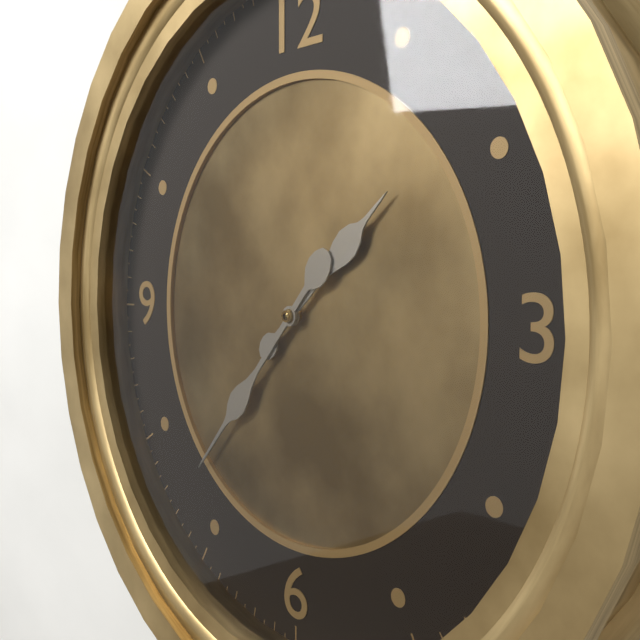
1:37
